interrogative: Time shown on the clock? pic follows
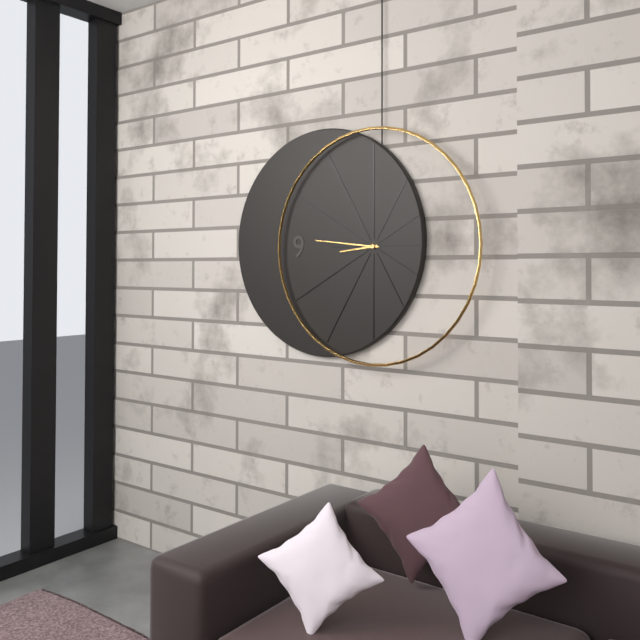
8:46
